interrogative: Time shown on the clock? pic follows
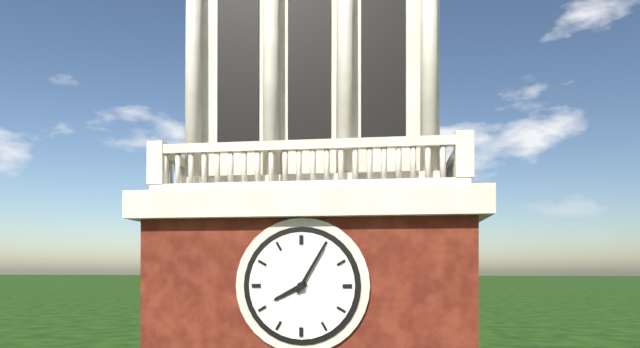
8:05
